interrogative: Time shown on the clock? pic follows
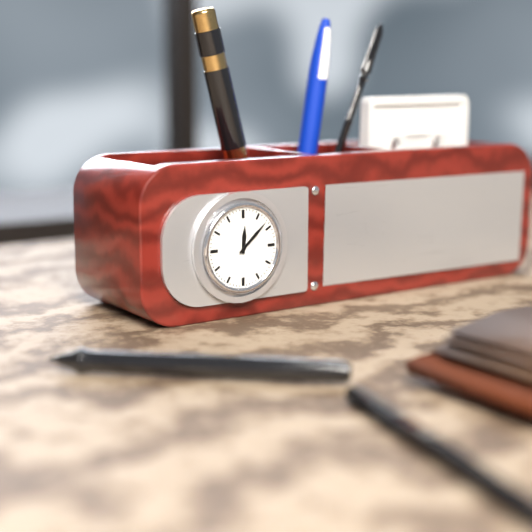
12:08
